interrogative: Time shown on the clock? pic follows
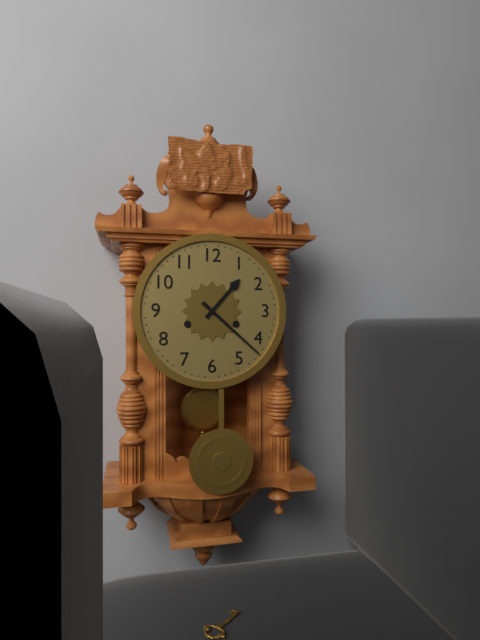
1:22
